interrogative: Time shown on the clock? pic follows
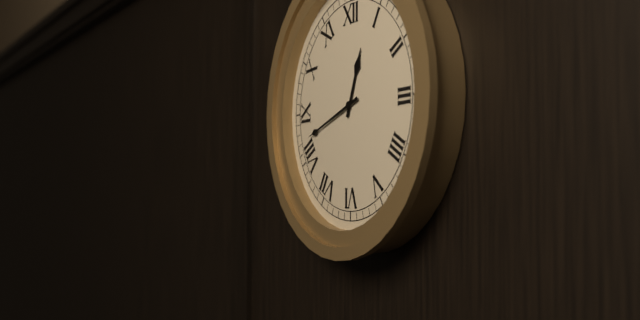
12:42
